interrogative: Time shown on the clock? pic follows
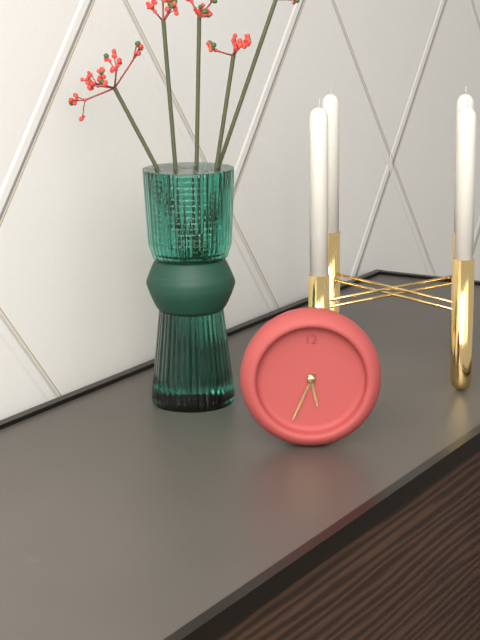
5:34
